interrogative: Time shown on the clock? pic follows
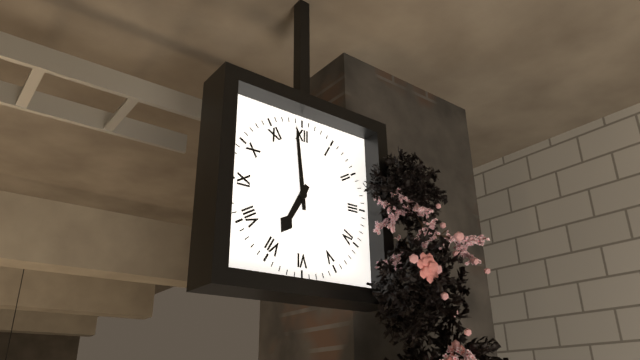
6:59
